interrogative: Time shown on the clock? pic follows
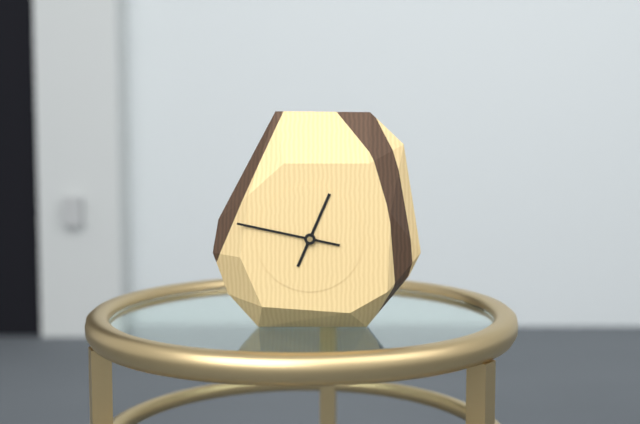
12:47
